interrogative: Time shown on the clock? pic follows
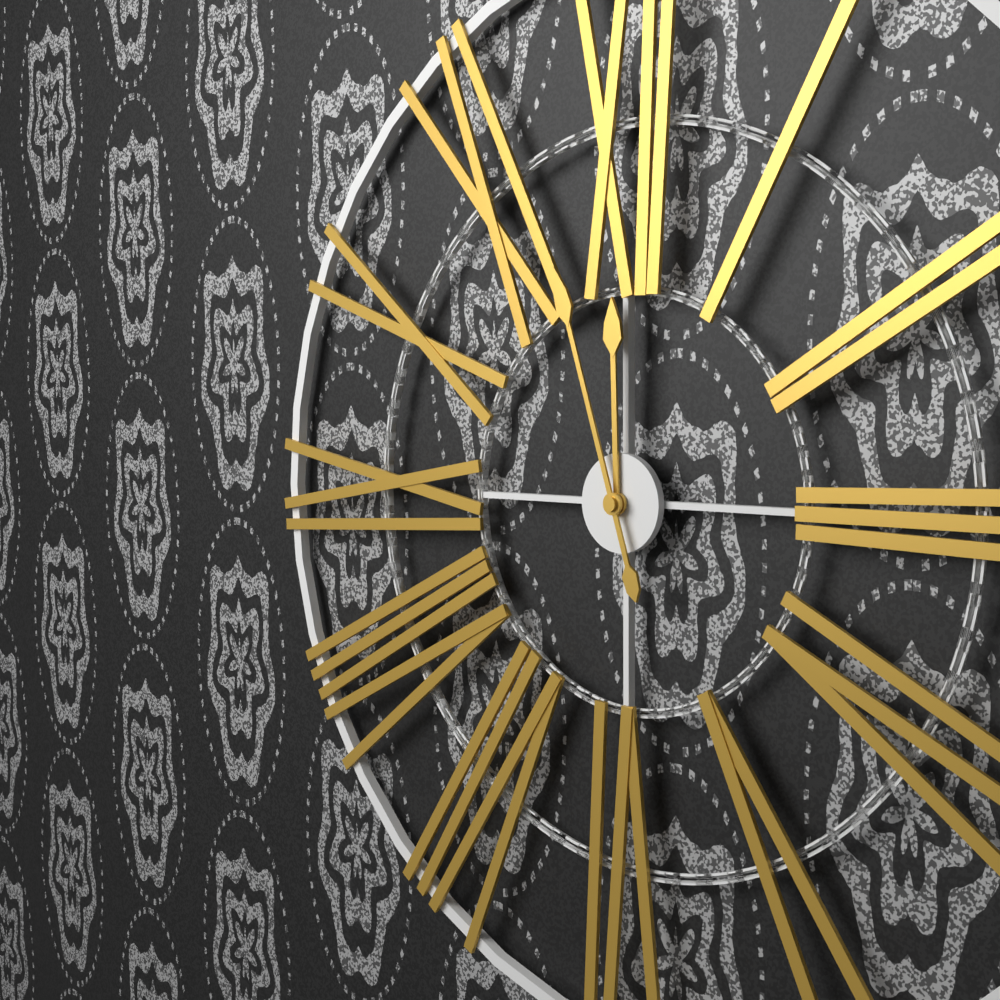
11:57
